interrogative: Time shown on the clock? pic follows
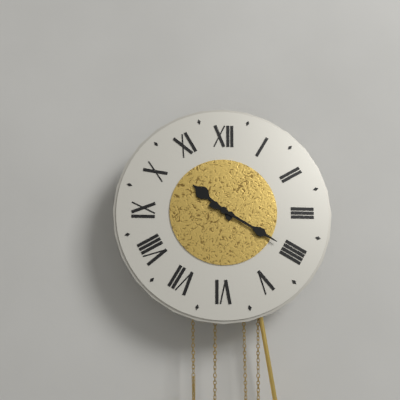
10:20
